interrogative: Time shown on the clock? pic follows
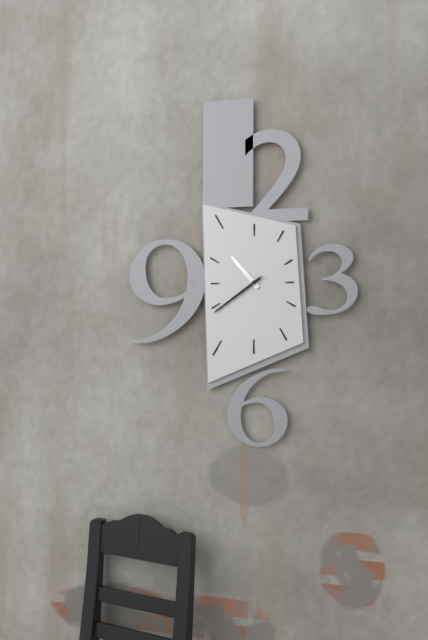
10:39
